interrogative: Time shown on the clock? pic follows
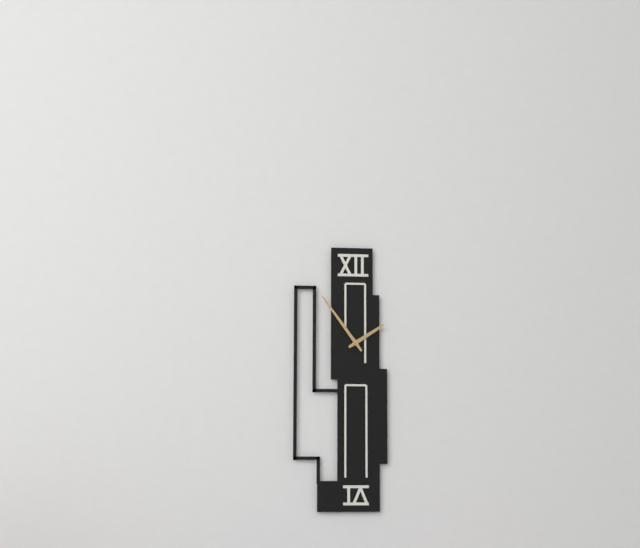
1:54
